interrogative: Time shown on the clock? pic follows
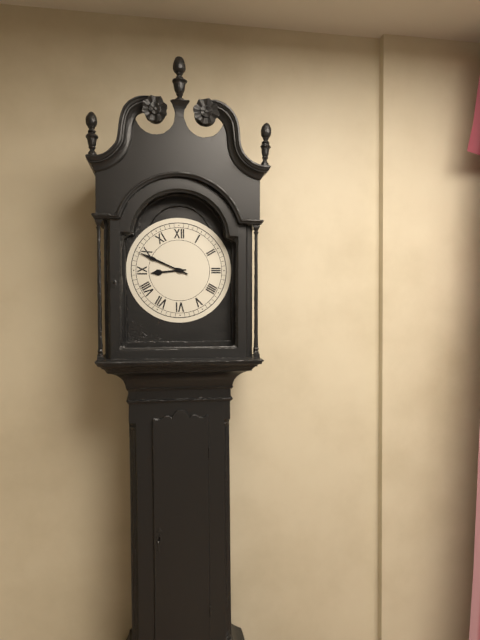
8:49
